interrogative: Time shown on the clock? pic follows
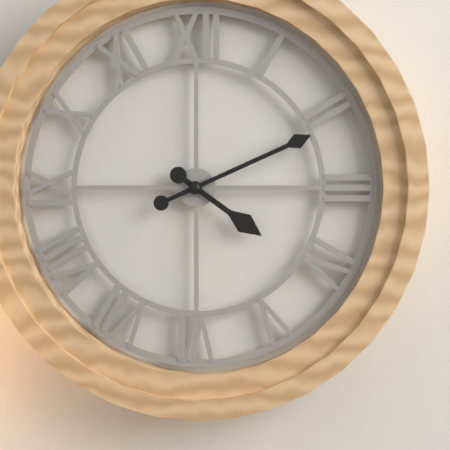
4:11
